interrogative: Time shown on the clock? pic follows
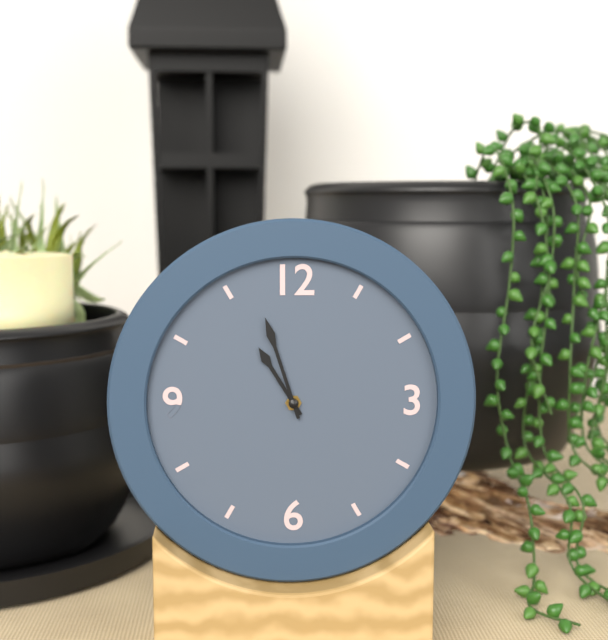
10:57
